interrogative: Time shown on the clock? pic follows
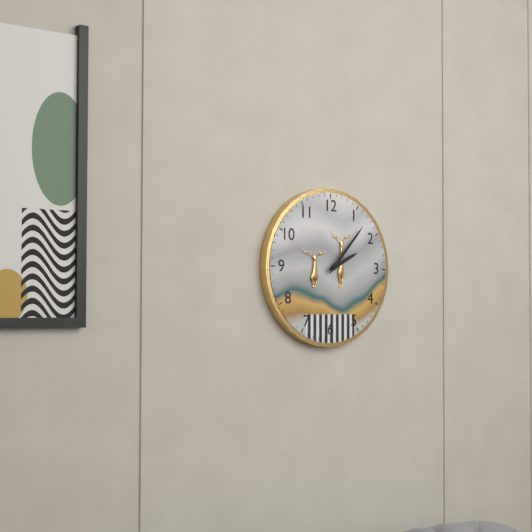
2:07
